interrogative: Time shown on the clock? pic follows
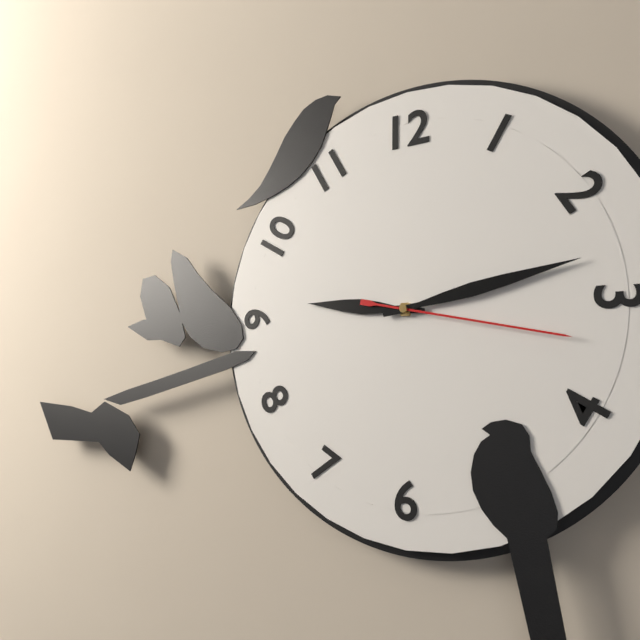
9:13:17
